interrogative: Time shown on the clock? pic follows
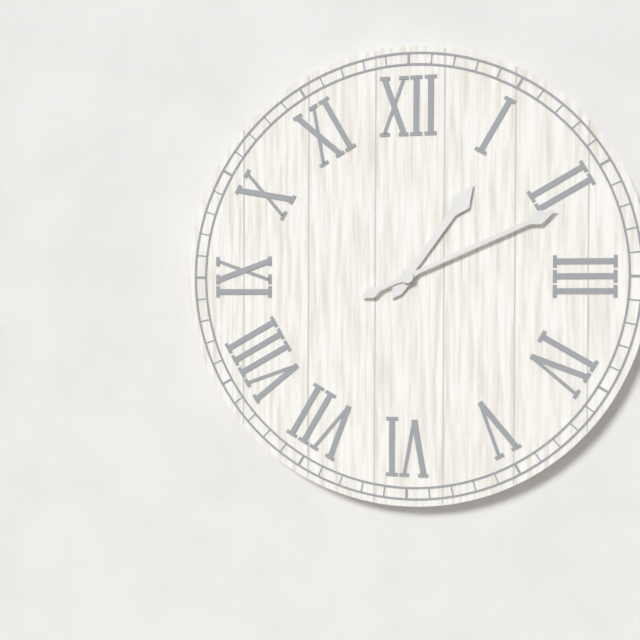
1:11
